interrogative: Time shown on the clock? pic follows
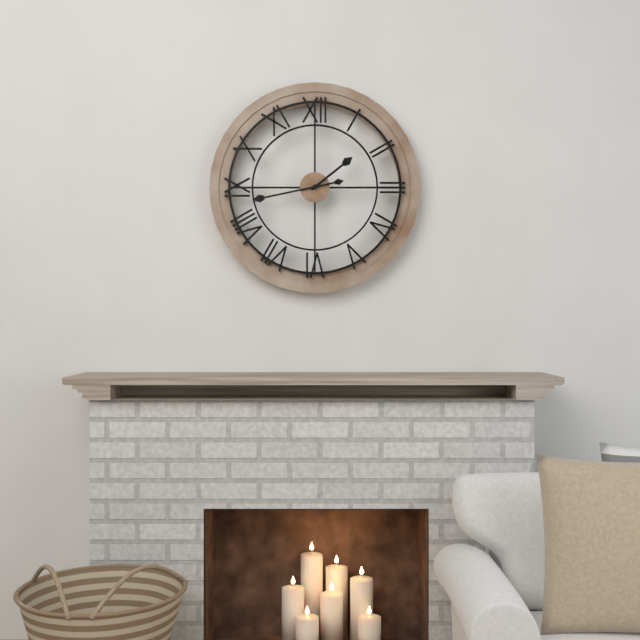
1:43
